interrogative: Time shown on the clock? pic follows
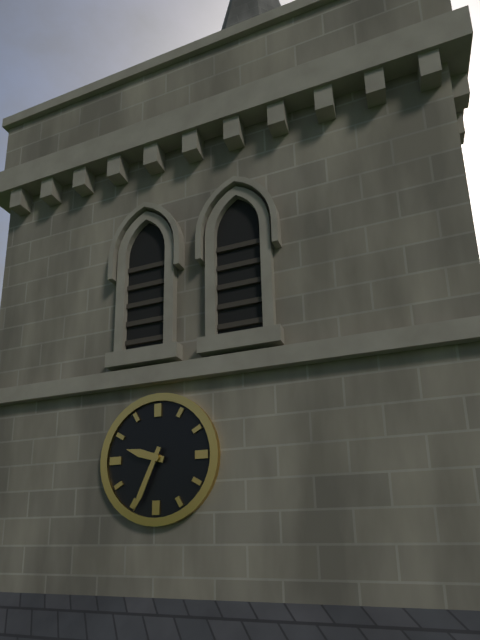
9:34
